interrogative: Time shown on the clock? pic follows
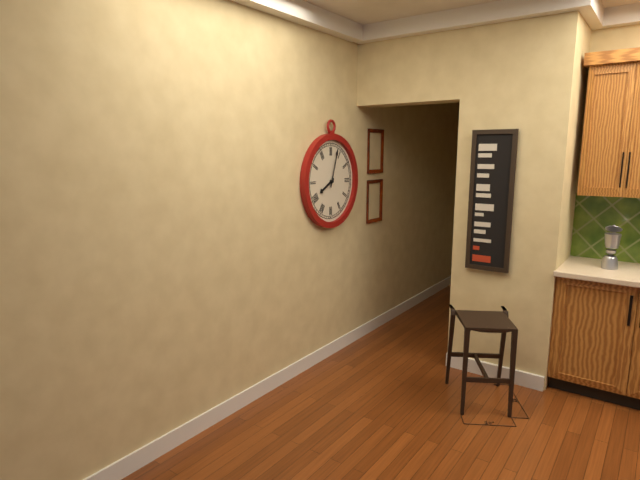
8:03
